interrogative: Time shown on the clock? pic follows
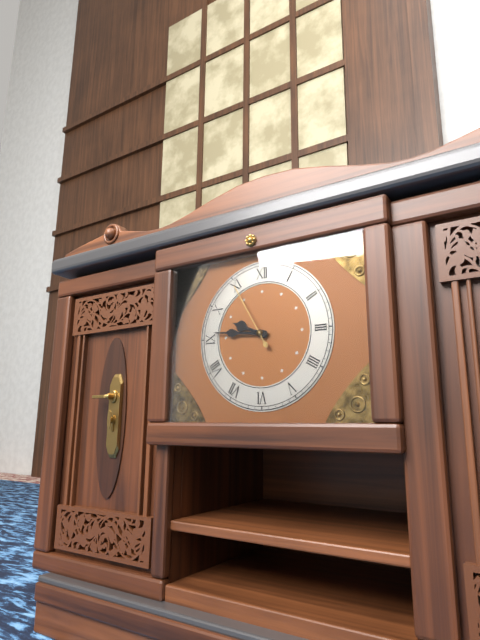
9:46:55
